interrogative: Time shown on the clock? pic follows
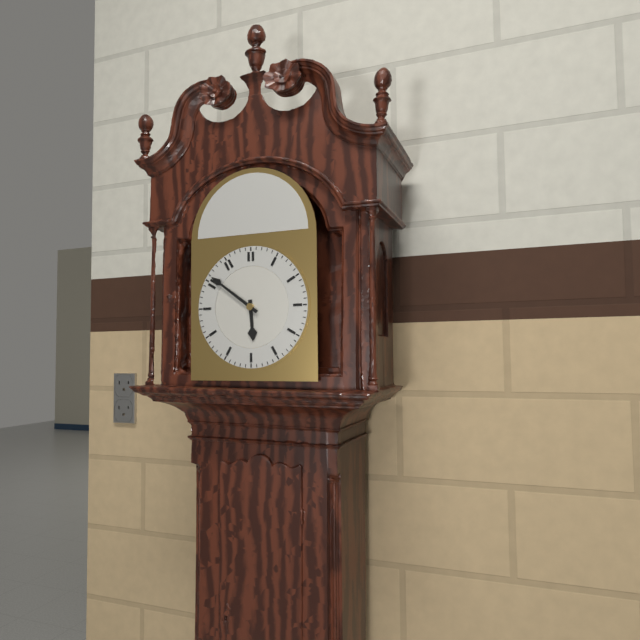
5:51
